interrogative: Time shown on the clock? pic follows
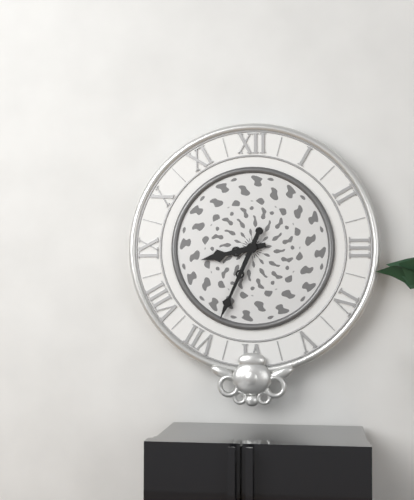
8:34
